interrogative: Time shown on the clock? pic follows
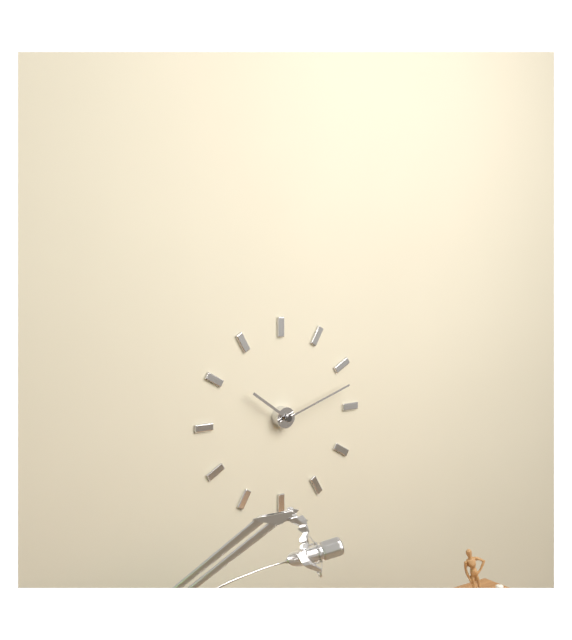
10:12
